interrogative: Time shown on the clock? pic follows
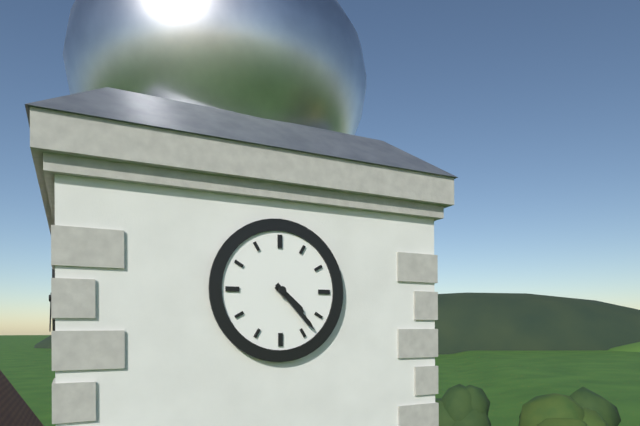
4:23
